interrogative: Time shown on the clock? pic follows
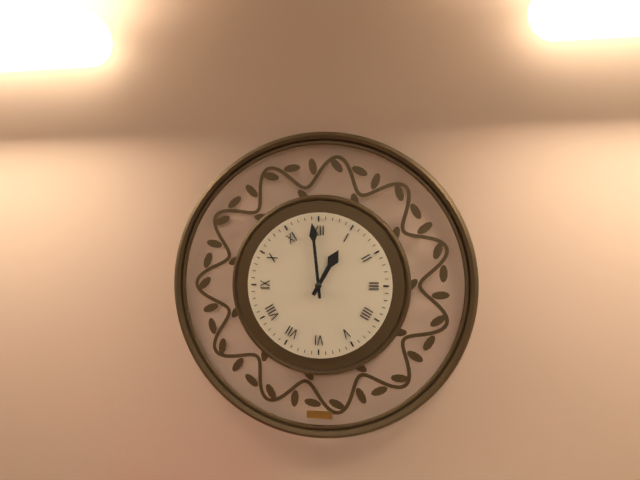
12:59
